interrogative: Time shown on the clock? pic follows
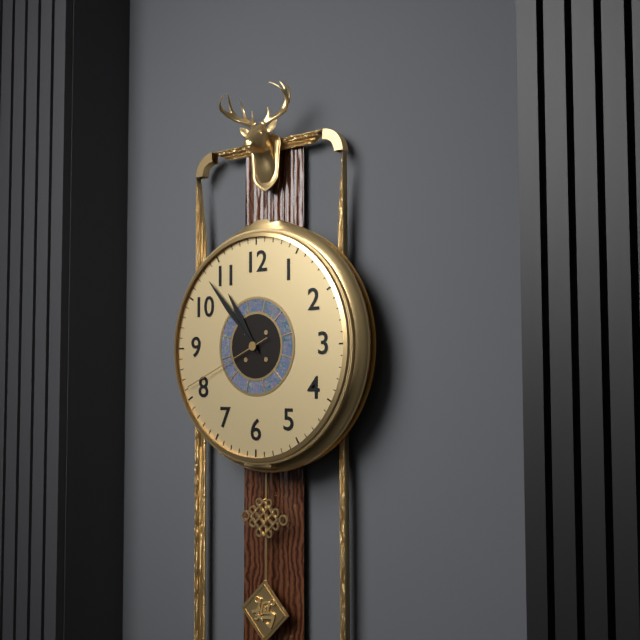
10:53:41
